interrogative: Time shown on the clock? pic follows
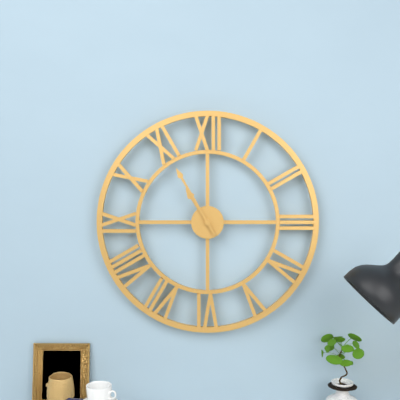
10:55
